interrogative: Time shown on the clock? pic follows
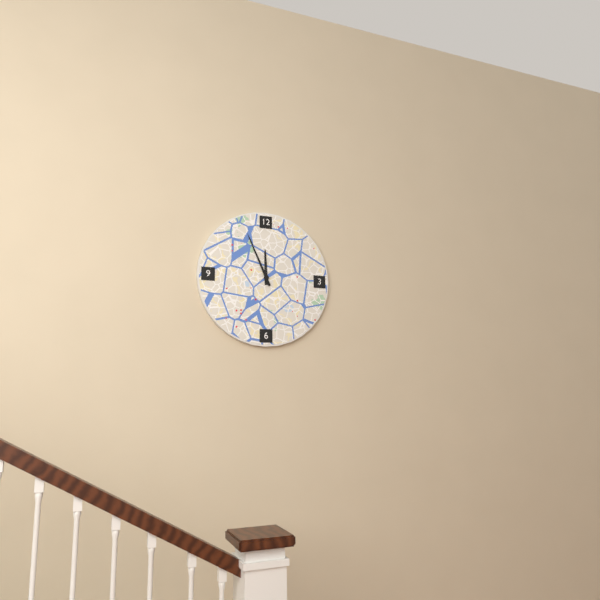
11:56
